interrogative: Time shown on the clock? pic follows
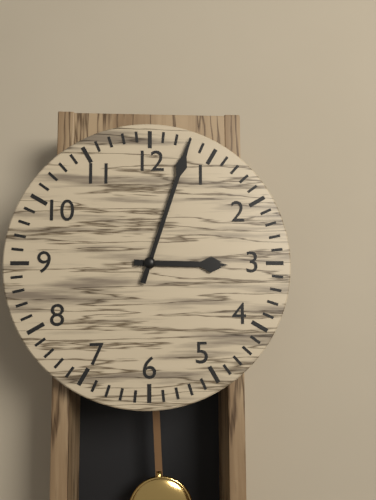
3:03
